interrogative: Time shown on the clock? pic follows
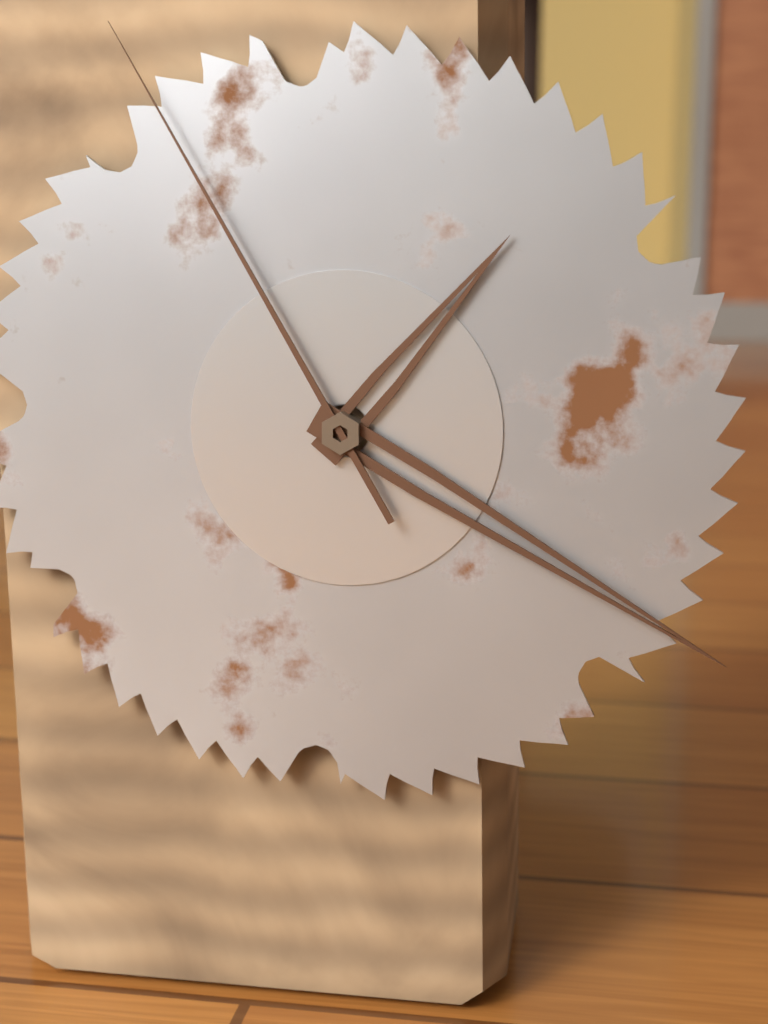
1:20:55
